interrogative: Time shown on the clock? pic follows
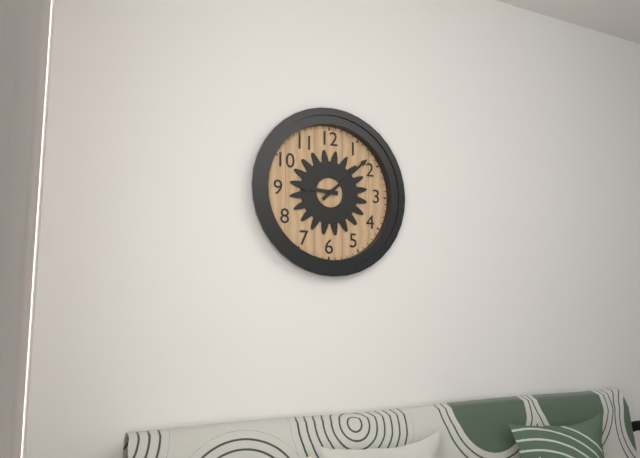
9:08
